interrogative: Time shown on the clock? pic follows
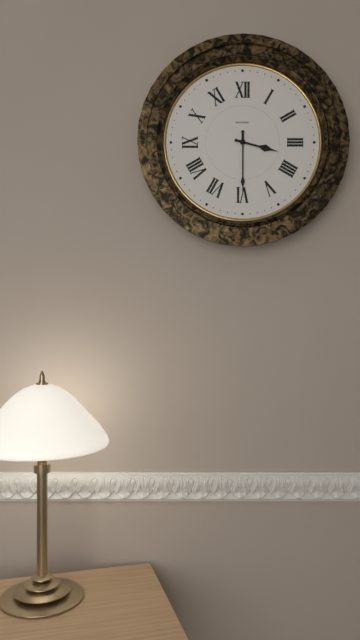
3:30
